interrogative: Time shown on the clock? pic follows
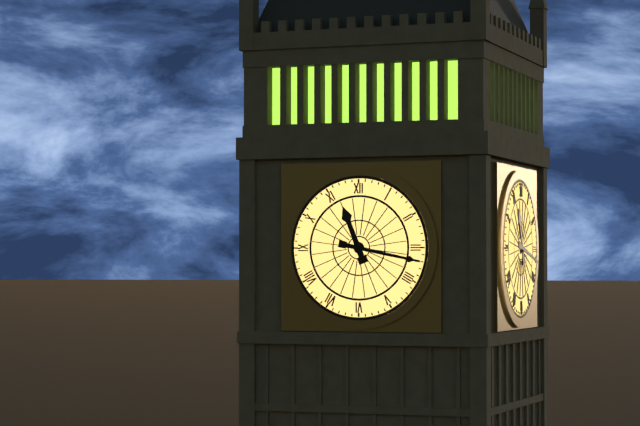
11:17
